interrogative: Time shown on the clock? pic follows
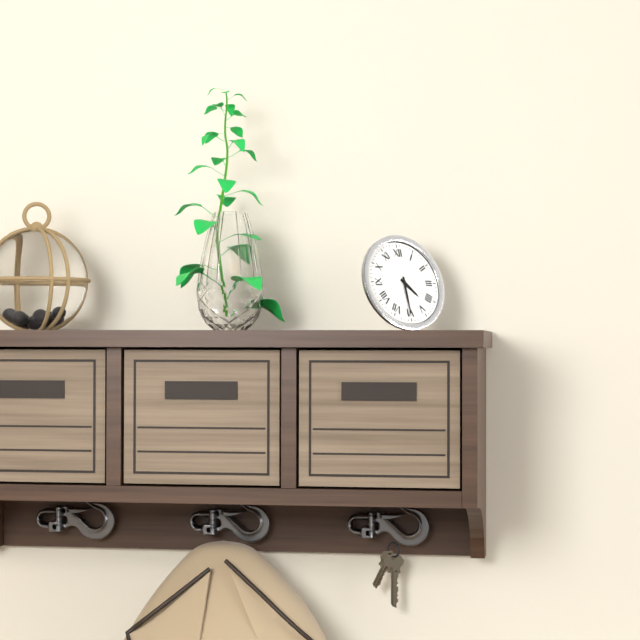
4:30
